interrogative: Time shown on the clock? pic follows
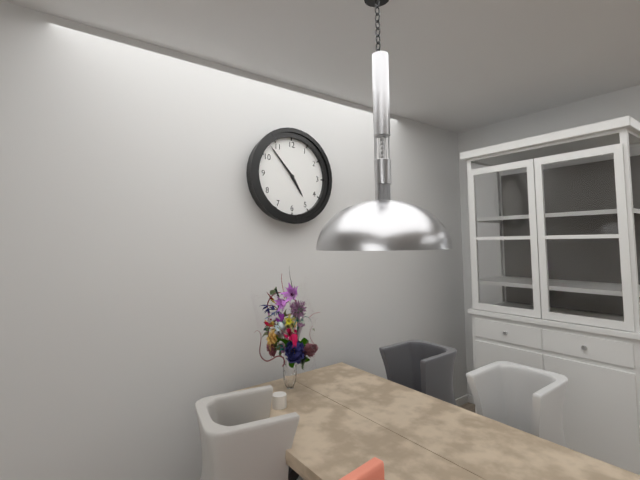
4:53
